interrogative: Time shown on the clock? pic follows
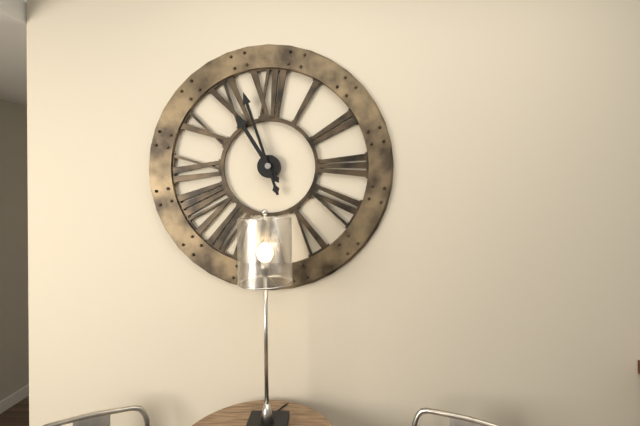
10:57
